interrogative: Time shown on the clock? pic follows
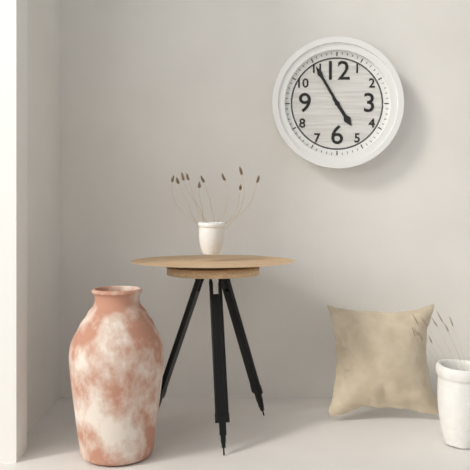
4:55
